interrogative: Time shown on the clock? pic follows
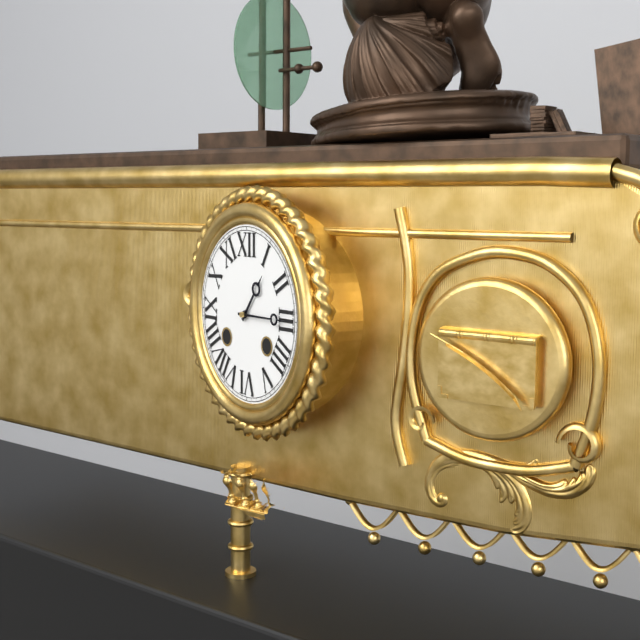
1:15
